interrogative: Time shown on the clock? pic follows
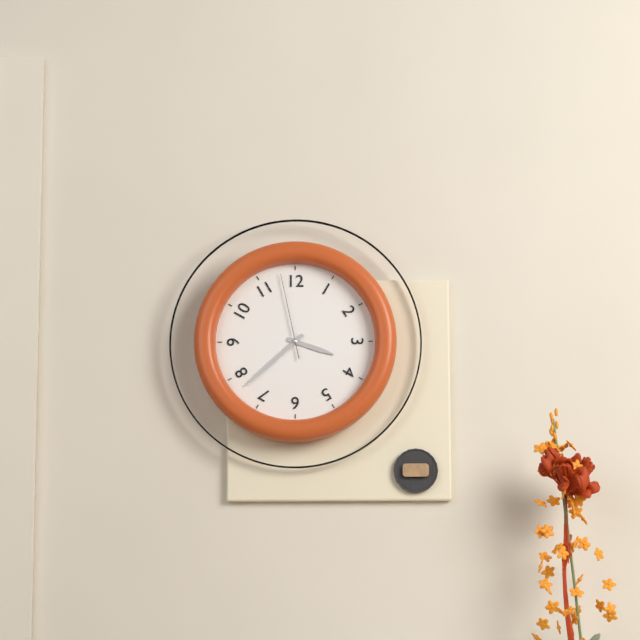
3:38:58
